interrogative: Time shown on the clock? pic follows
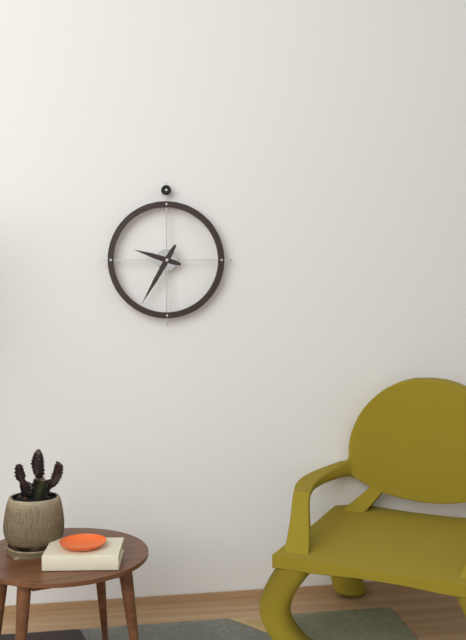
9:35
